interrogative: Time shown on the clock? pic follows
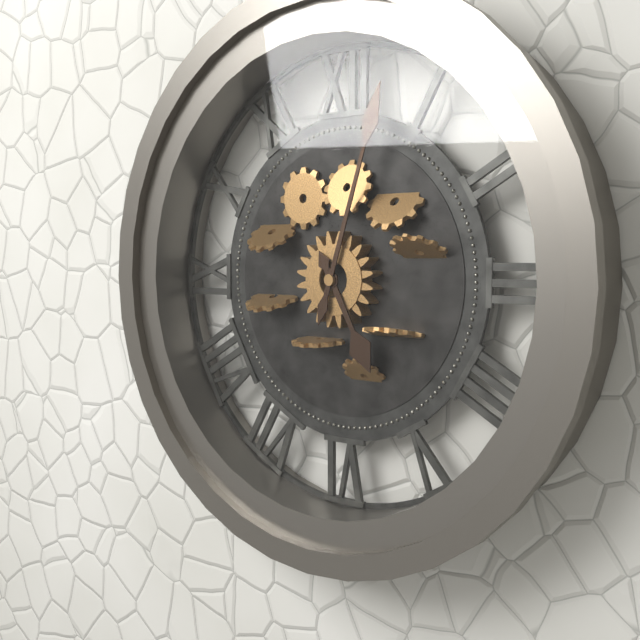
5:03
